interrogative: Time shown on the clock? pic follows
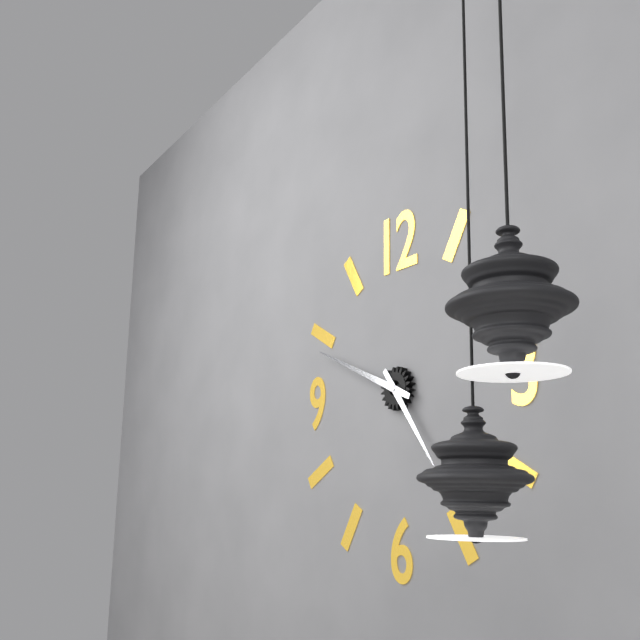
4:49
